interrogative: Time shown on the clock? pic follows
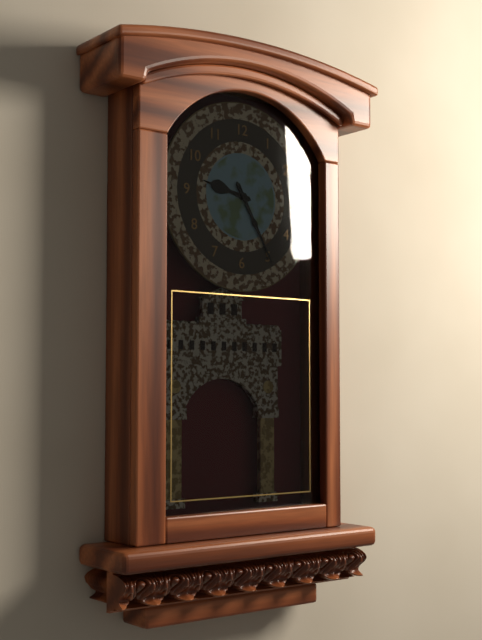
9:25
